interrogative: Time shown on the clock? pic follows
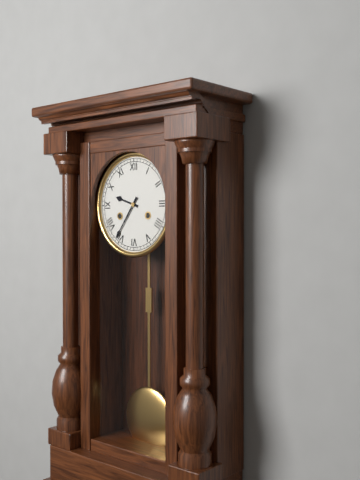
9:36
